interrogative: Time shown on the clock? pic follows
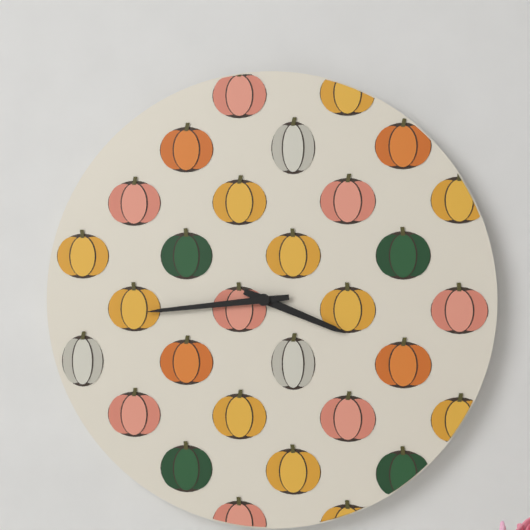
3:44
